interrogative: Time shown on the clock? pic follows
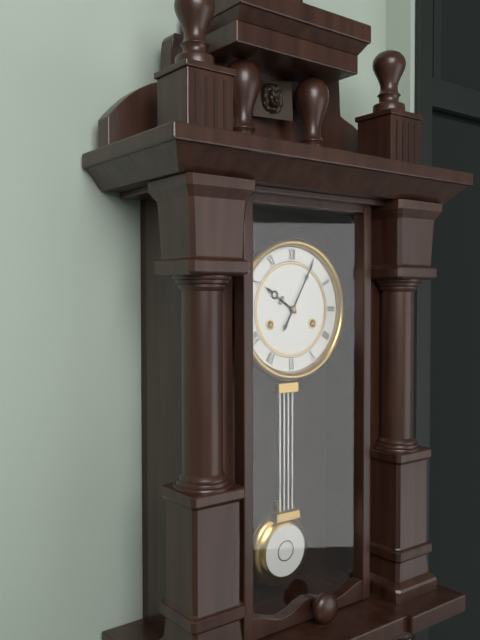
10:05
